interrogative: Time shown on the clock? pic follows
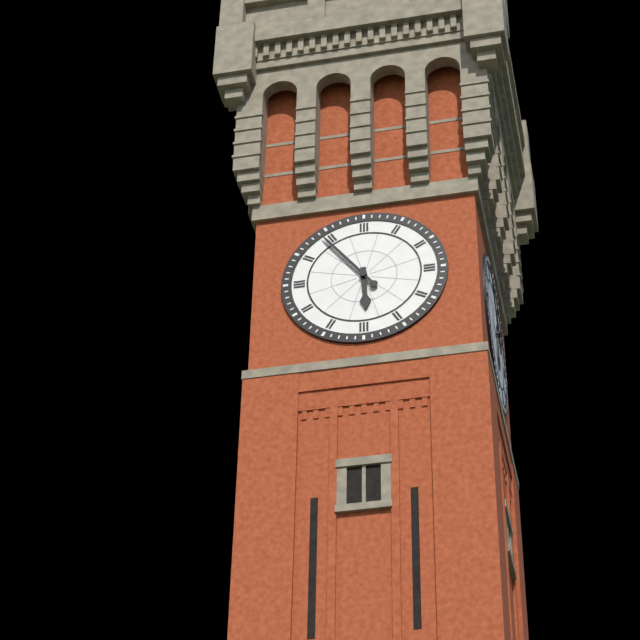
5:54
